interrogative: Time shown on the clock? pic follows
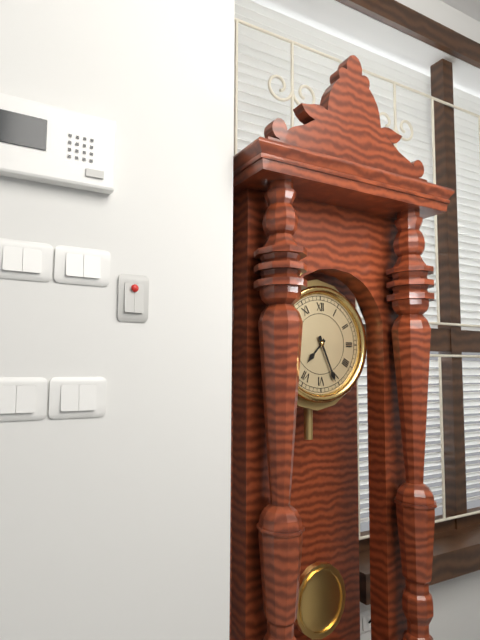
7:26
